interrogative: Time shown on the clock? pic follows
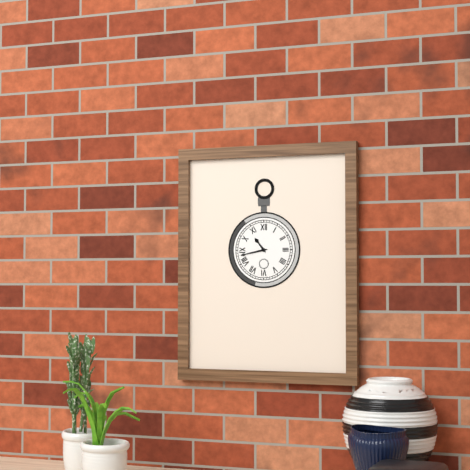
10:43
